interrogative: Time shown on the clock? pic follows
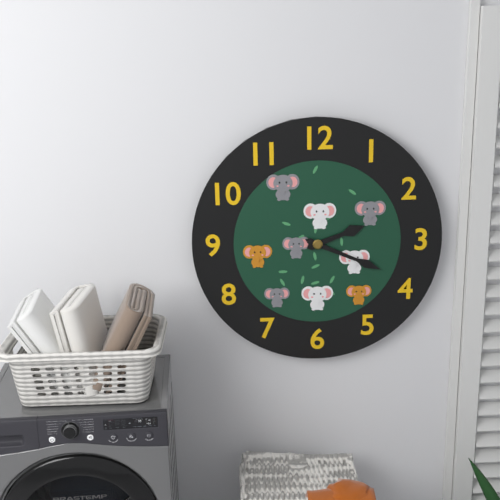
2:19
